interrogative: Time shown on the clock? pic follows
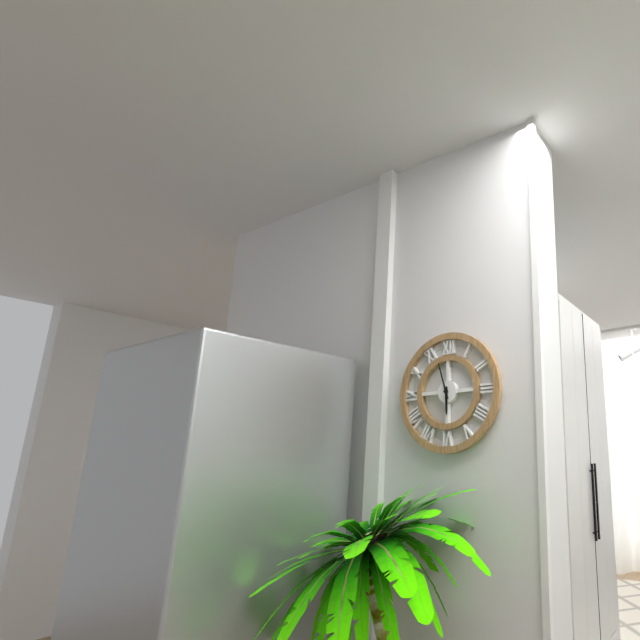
5:57
